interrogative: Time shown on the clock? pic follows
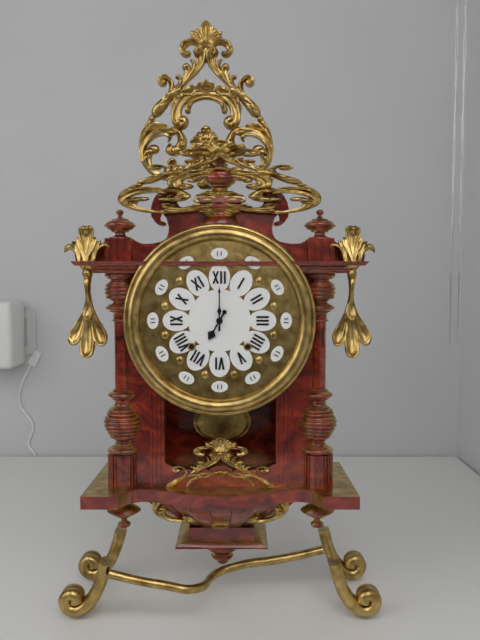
7:00
